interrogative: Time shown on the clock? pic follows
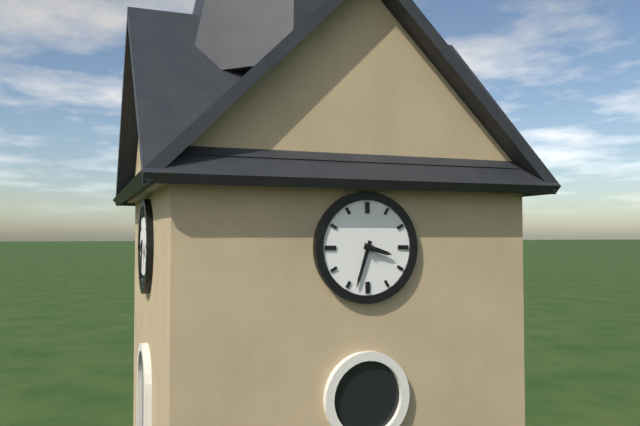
3:33
